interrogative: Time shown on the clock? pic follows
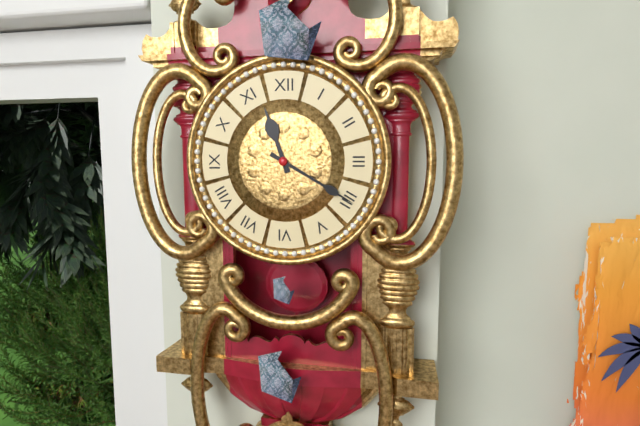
11:20
